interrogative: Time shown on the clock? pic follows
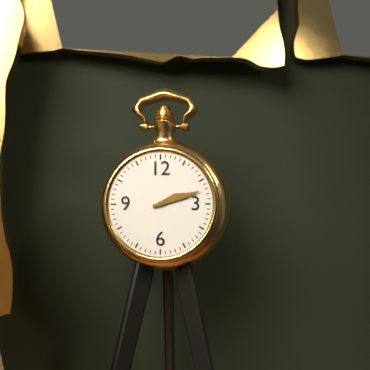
2:12
